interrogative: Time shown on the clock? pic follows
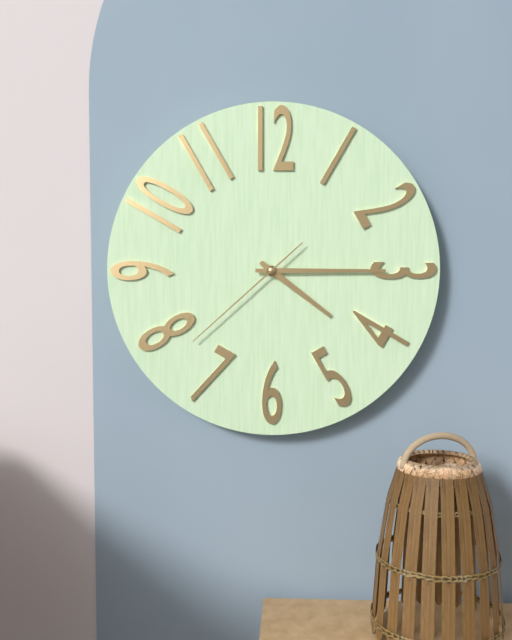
4:15:38
